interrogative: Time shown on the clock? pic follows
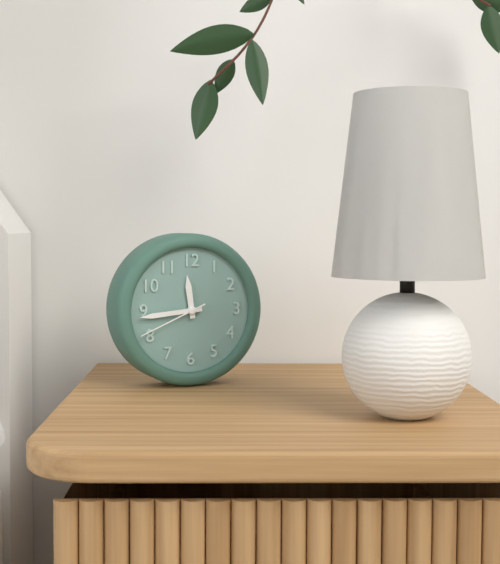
11:44:41
